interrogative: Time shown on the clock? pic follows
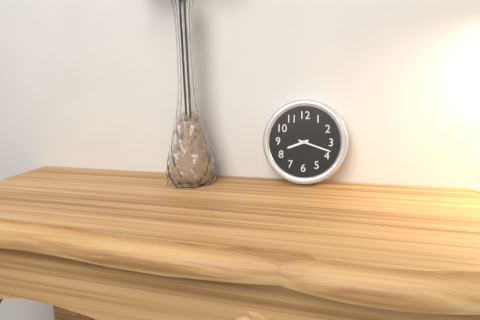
8:18
